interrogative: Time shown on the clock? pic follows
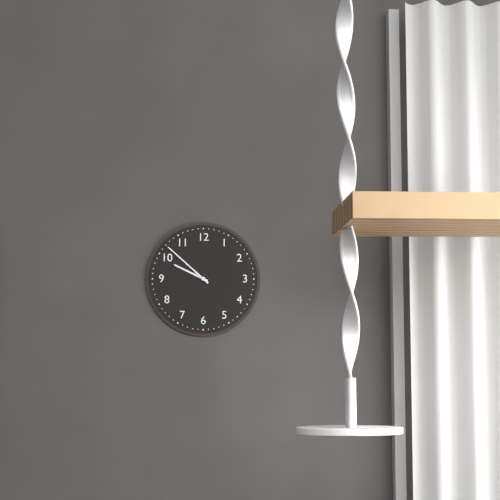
9:52
